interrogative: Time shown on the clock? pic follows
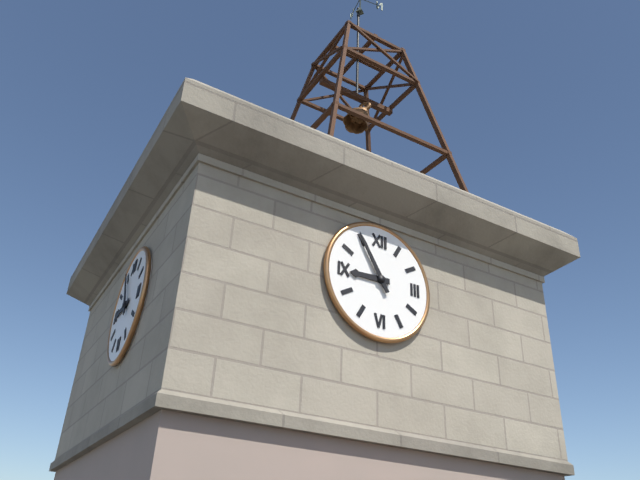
8:55
